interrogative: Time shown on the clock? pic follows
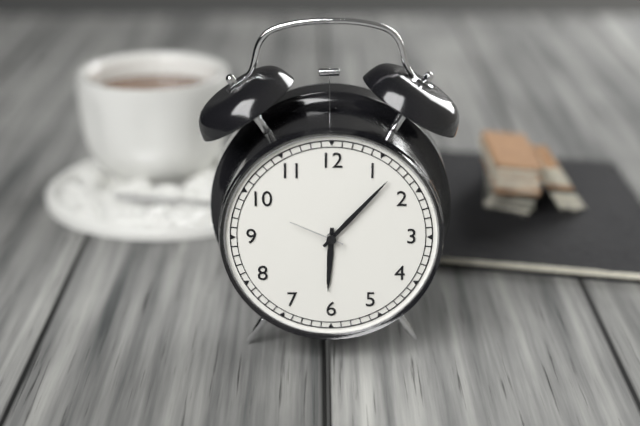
6:07:49
